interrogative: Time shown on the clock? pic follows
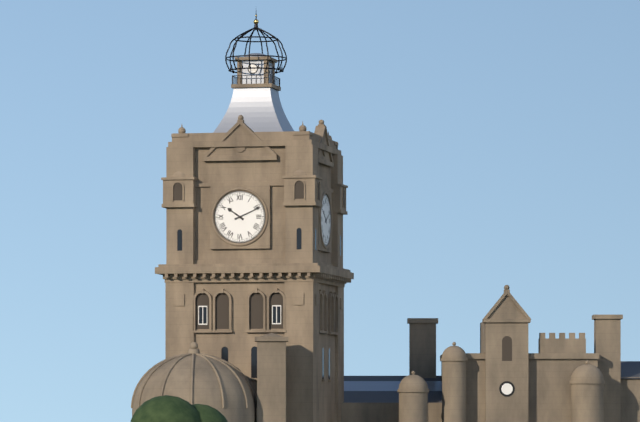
10:11
